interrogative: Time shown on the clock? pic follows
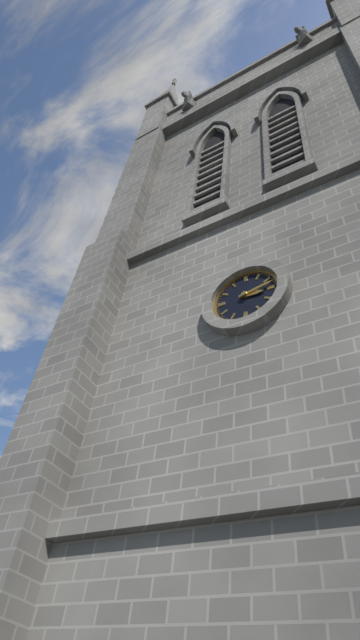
3:13
